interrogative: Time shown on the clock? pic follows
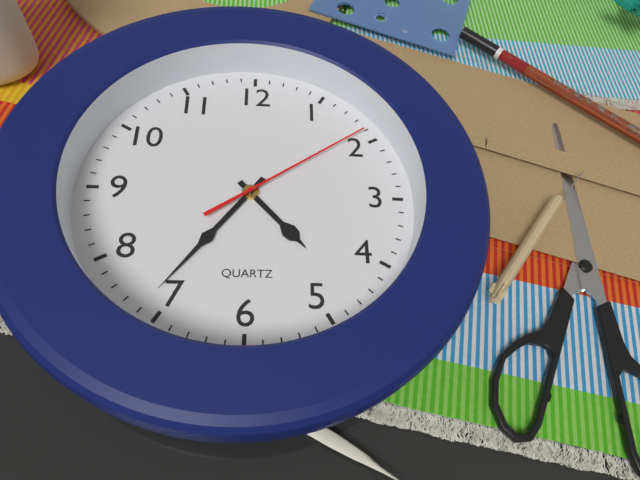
4:36:09
